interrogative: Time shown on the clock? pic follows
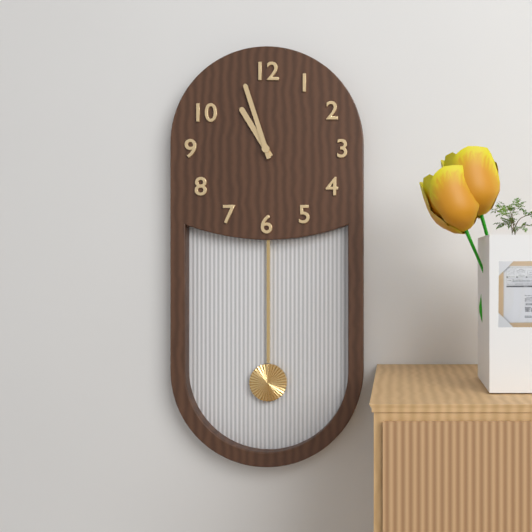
10:57
